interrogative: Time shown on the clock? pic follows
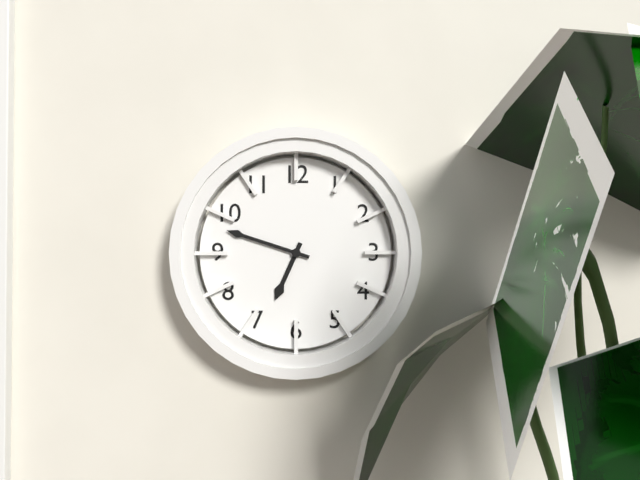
6:48
